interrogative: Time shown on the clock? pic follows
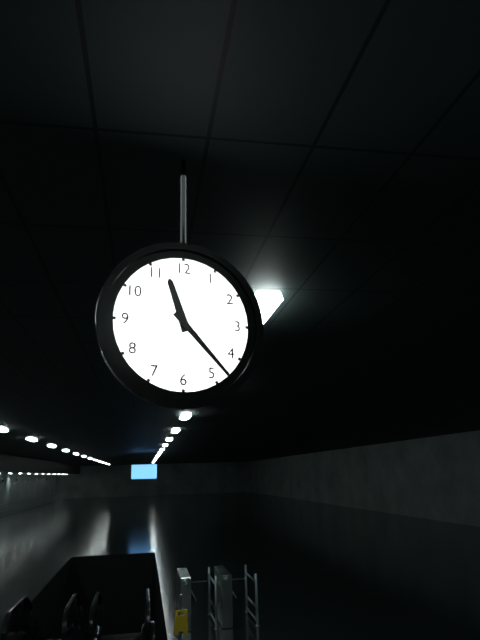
11:23
